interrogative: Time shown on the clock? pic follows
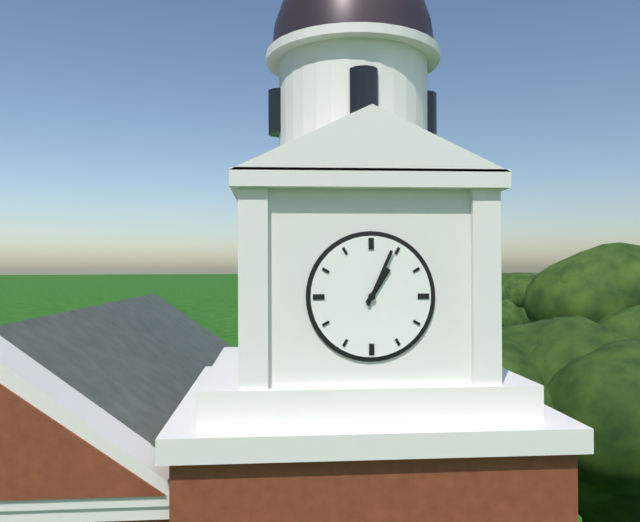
1:04
